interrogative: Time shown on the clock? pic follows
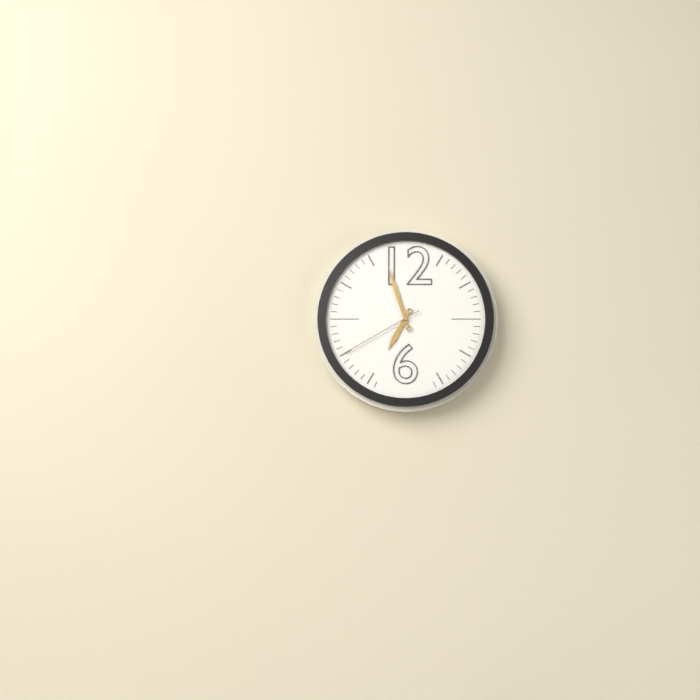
6:57:40
